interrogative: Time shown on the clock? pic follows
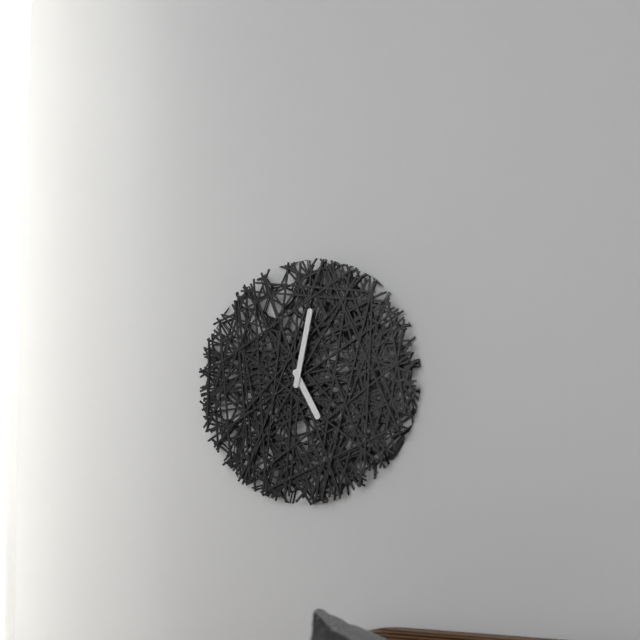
5:02
